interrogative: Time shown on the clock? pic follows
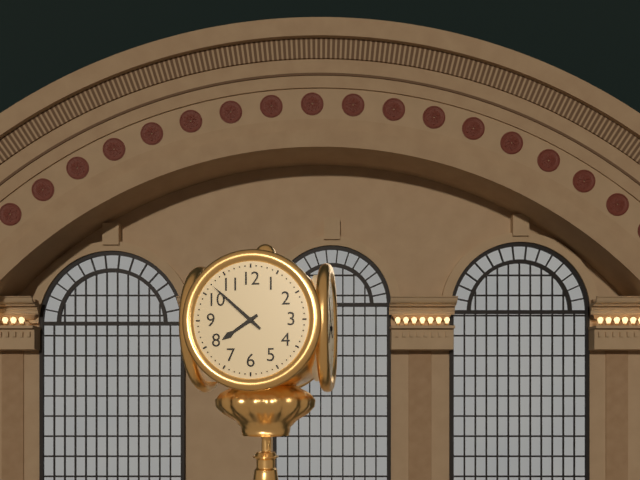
7:52
